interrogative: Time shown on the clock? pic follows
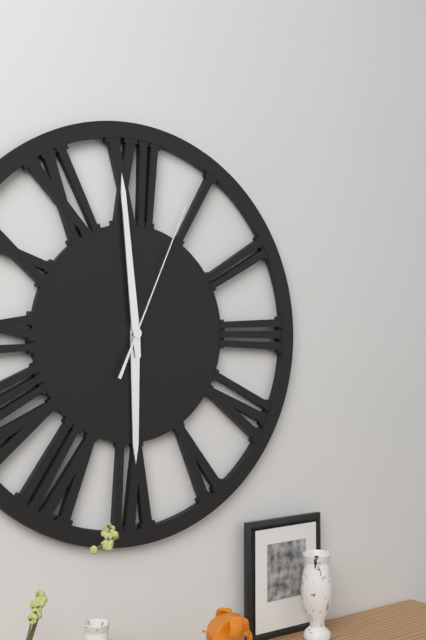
5:59:04
